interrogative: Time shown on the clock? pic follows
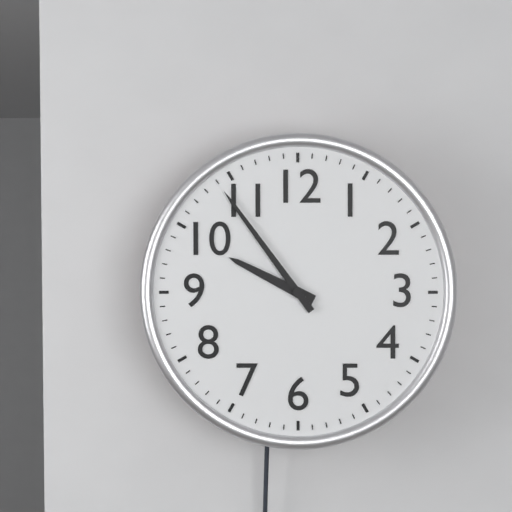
9:54
